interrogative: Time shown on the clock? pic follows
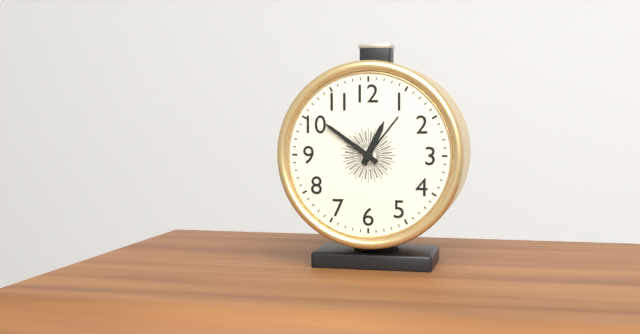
12:51
